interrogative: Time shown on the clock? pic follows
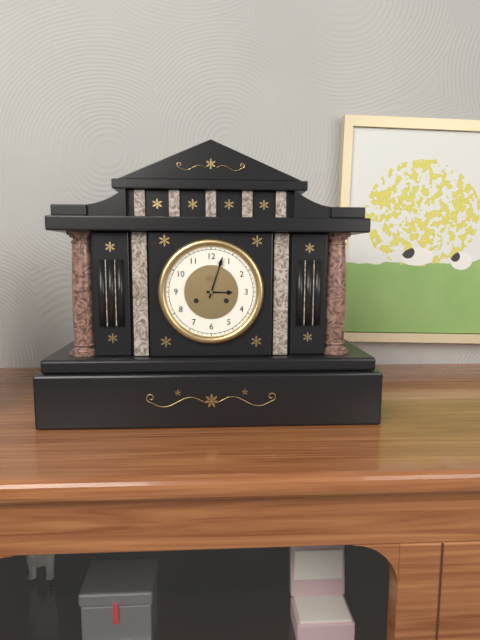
3:03
